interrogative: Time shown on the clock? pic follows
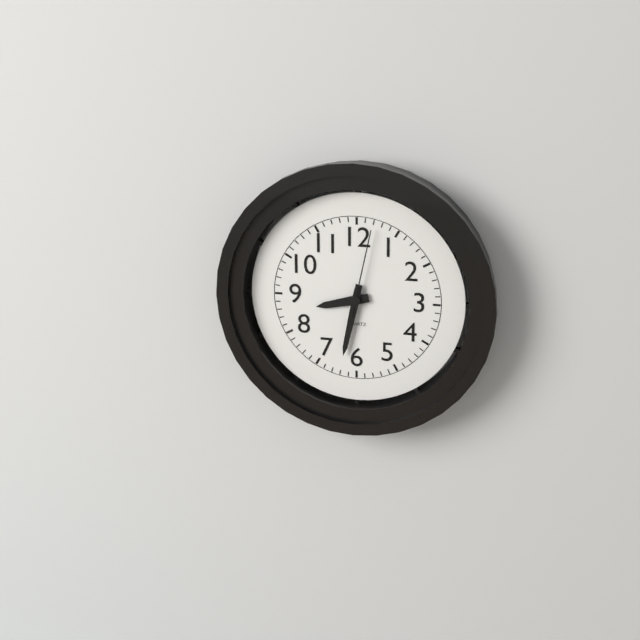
8:32:02
